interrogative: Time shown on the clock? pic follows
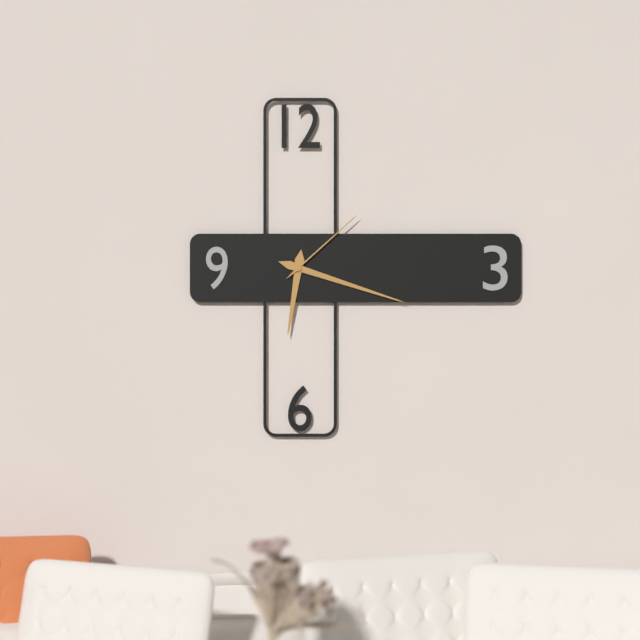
6:18:08
